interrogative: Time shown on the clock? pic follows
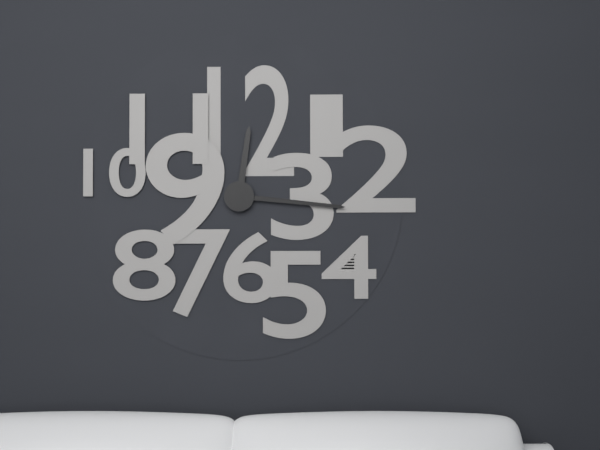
12:16
